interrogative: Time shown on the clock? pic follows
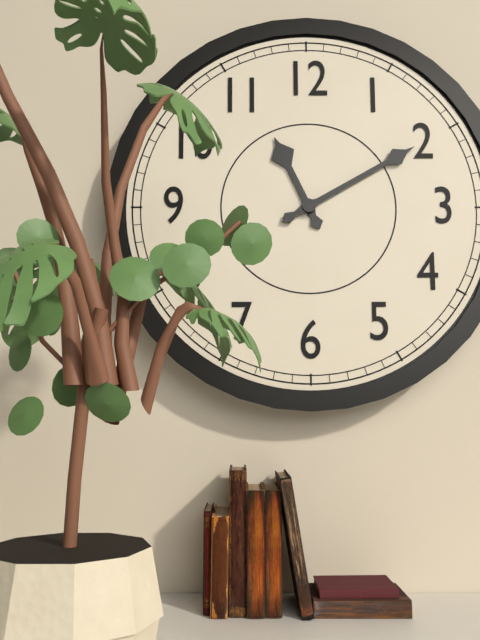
11:10
